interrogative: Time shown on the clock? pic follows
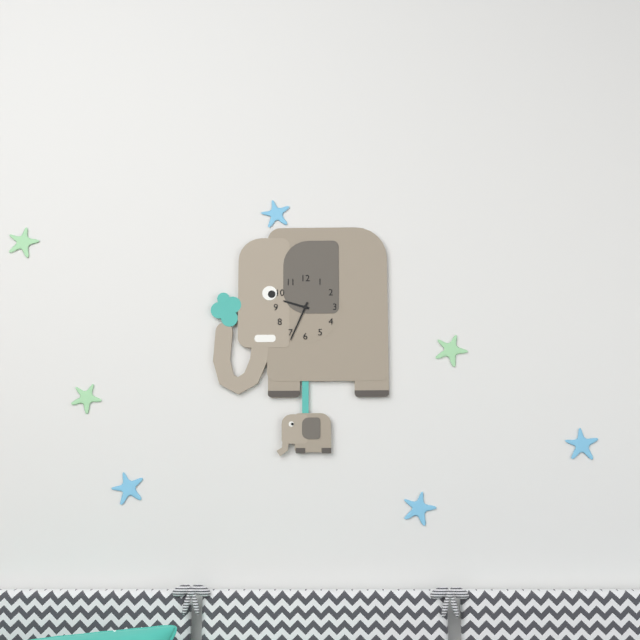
9:34
